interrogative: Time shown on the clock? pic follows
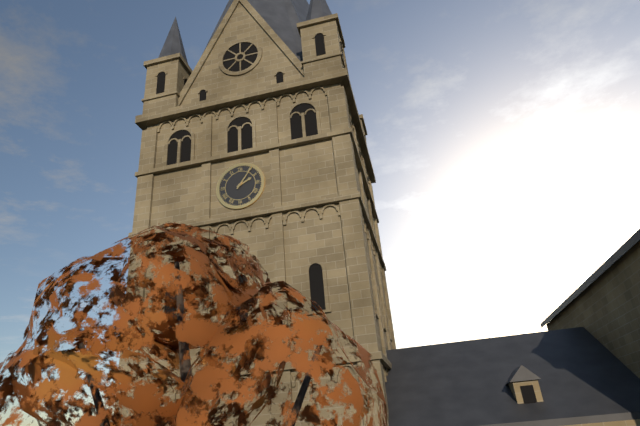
2:06
